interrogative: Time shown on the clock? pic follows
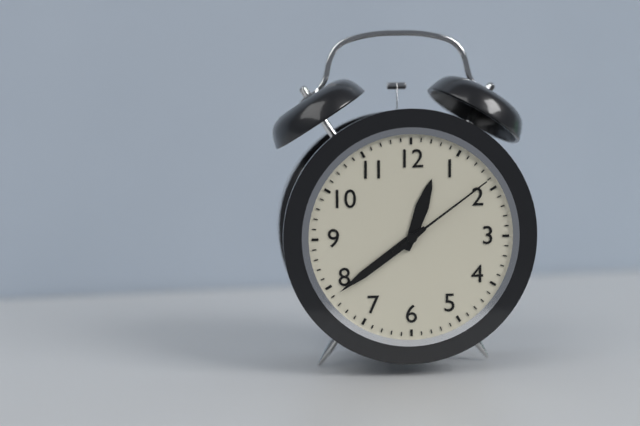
12:39:09
